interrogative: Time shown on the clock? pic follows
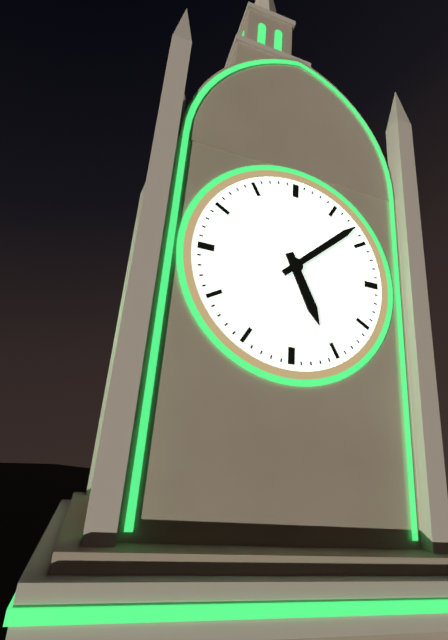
5:08
